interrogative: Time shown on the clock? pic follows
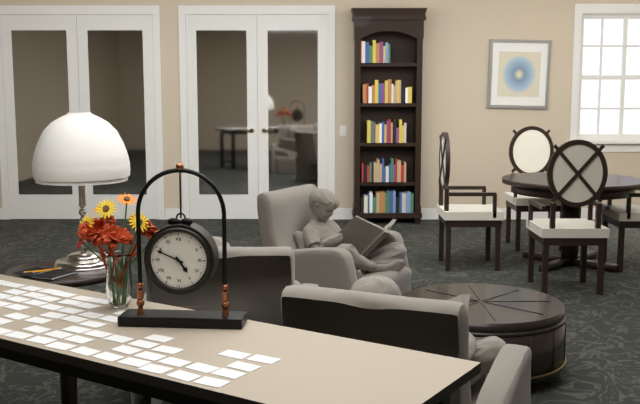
4:49
